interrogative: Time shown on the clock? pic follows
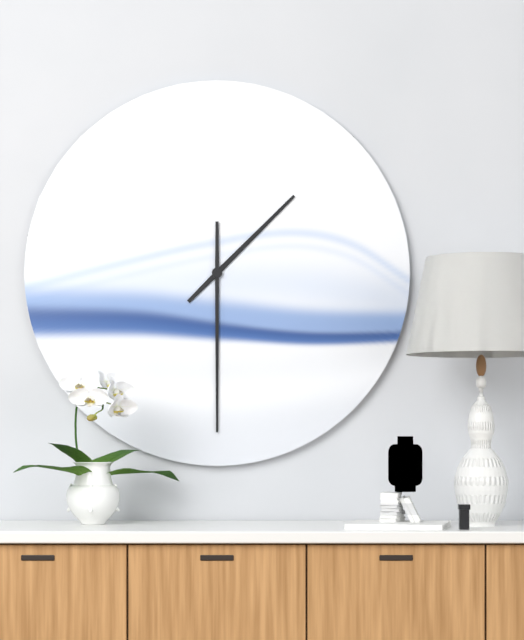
1:30
